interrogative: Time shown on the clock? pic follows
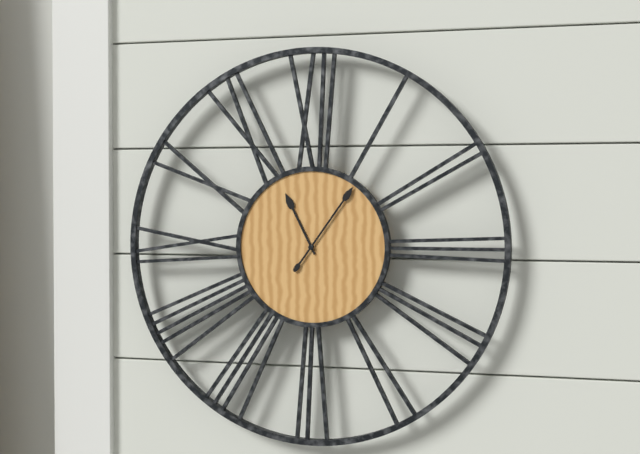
11:06
